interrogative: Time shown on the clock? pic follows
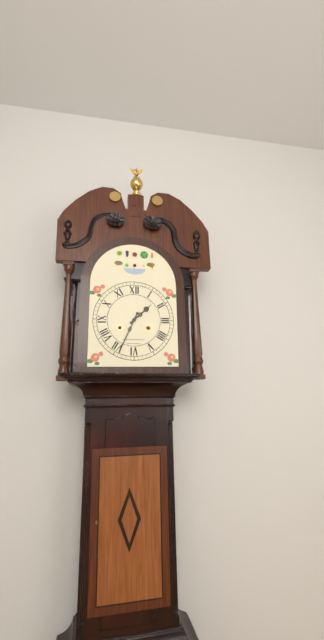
1:34
